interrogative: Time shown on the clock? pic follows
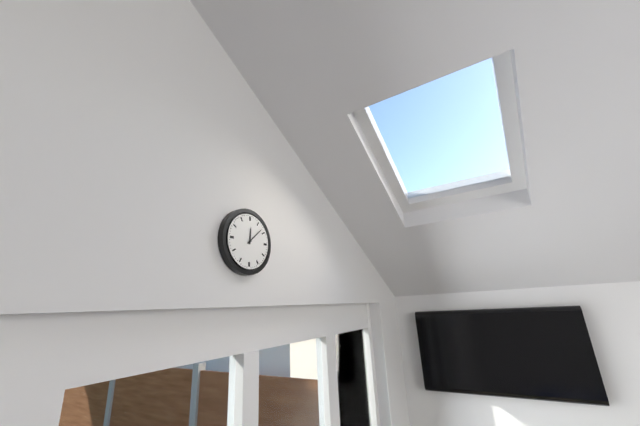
12:08
